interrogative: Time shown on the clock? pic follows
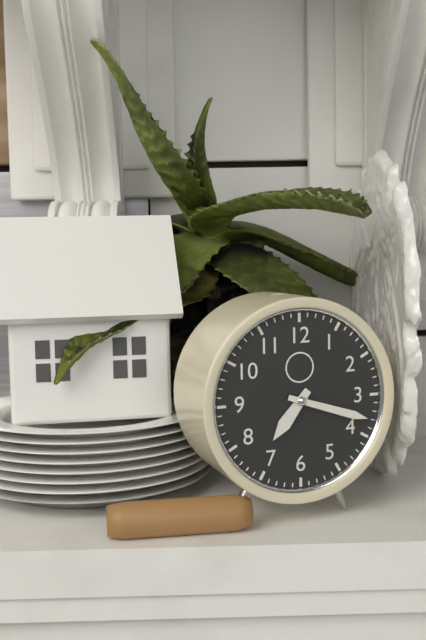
7:18
